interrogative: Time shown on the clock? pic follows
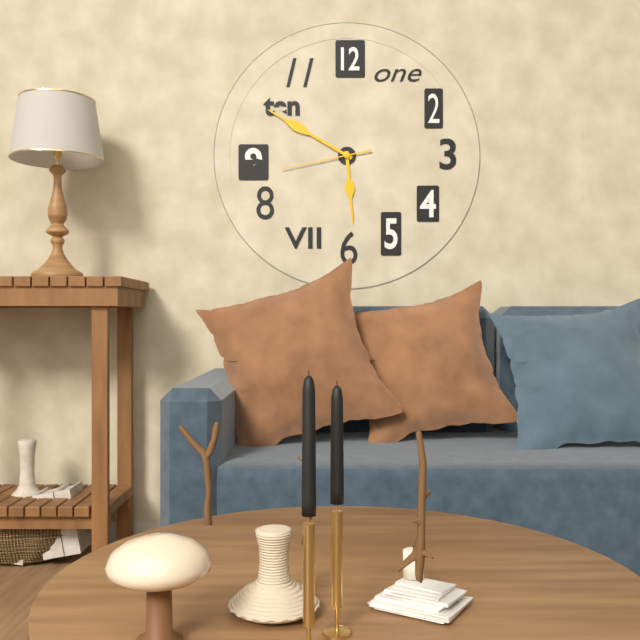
5:50:43
